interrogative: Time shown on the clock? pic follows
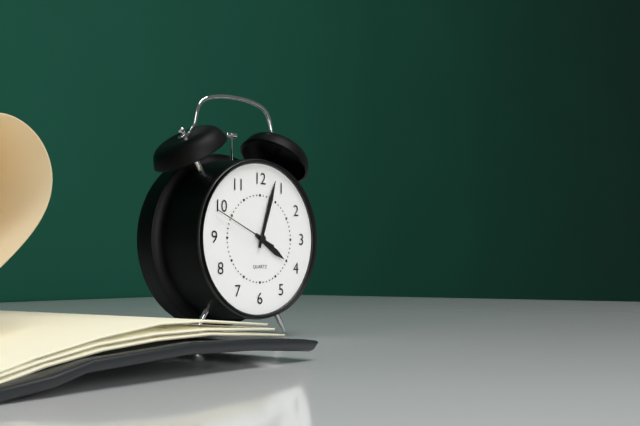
4:03:49
